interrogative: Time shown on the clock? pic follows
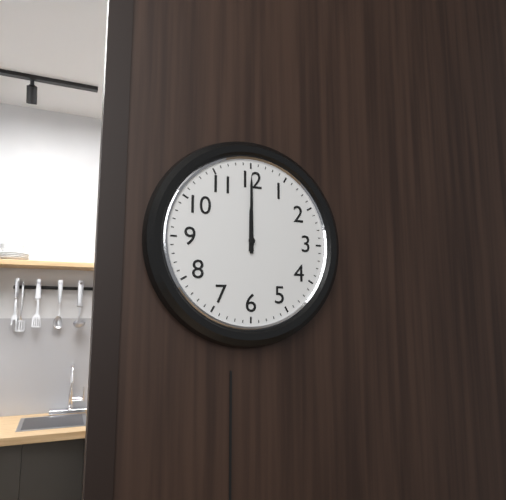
12:00
